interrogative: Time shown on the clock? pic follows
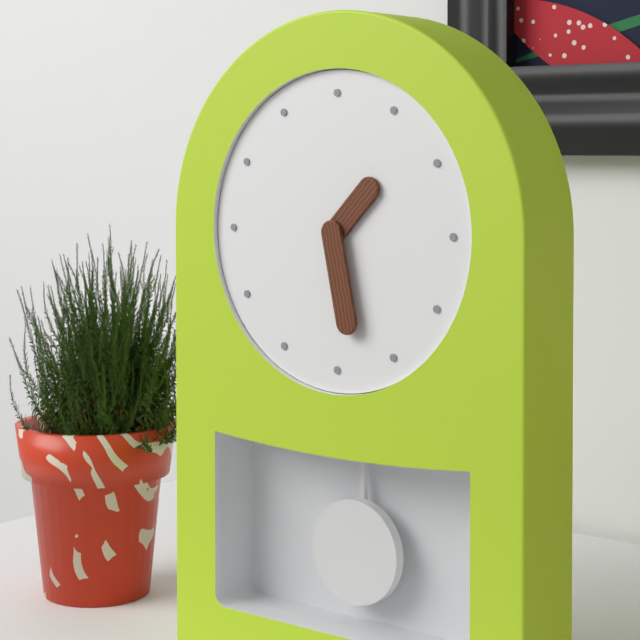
1:28
